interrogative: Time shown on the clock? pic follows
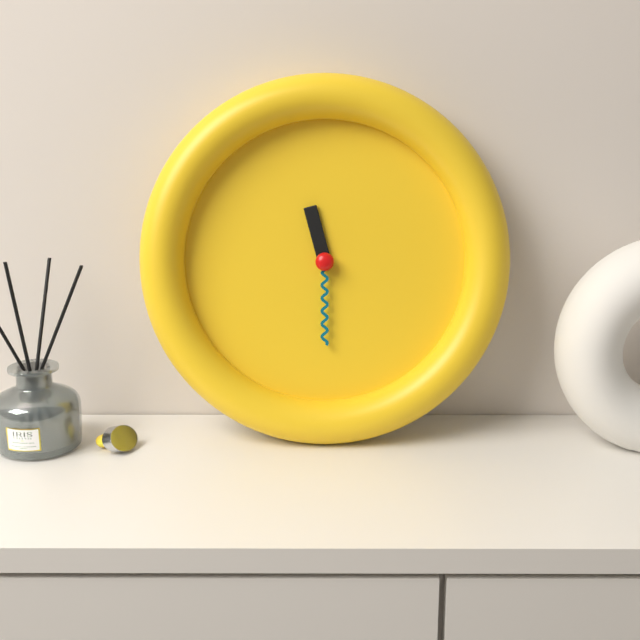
11:30
